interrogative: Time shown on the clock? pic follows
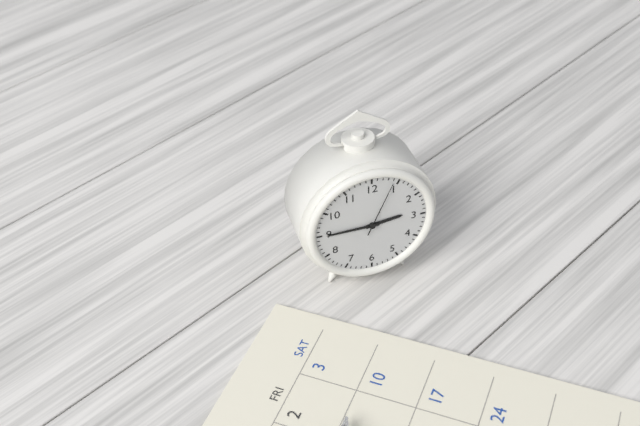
2:45:04
